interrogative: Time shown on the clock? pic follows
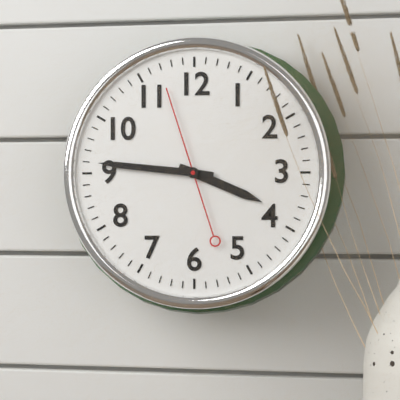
3:46:57
